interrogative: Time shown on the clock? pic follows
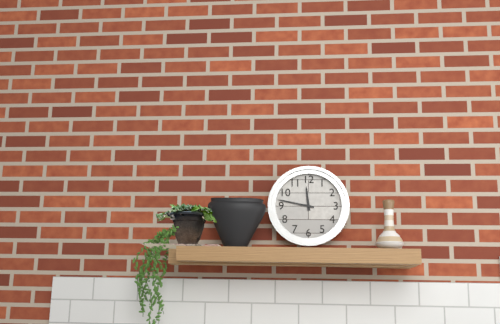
11:47
